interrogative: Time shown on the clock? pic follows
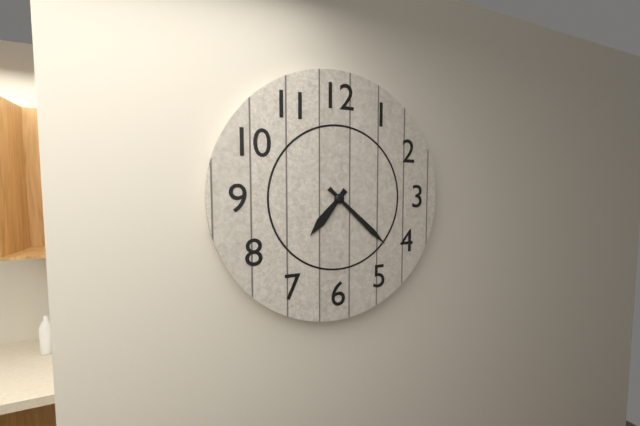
7:22
